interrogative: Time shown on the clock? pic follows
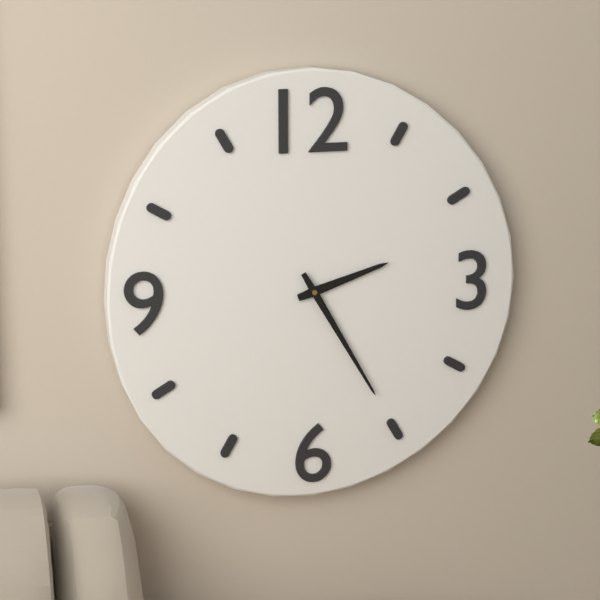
2:25
